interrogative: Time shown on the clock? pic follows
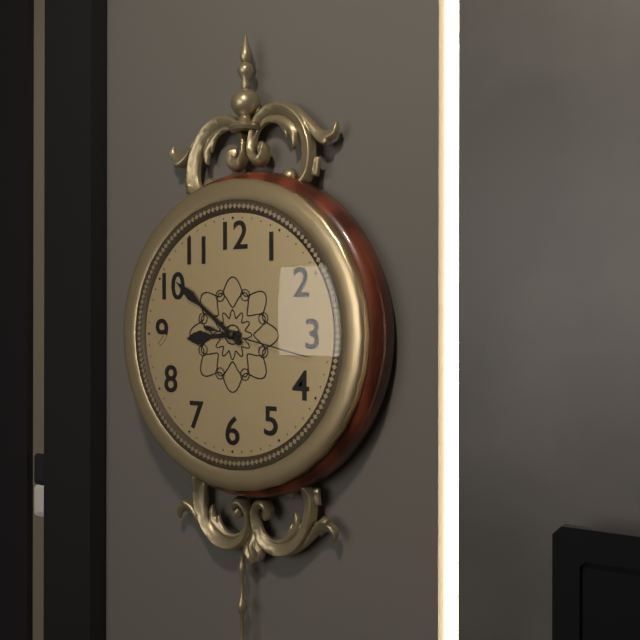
8:51:17
